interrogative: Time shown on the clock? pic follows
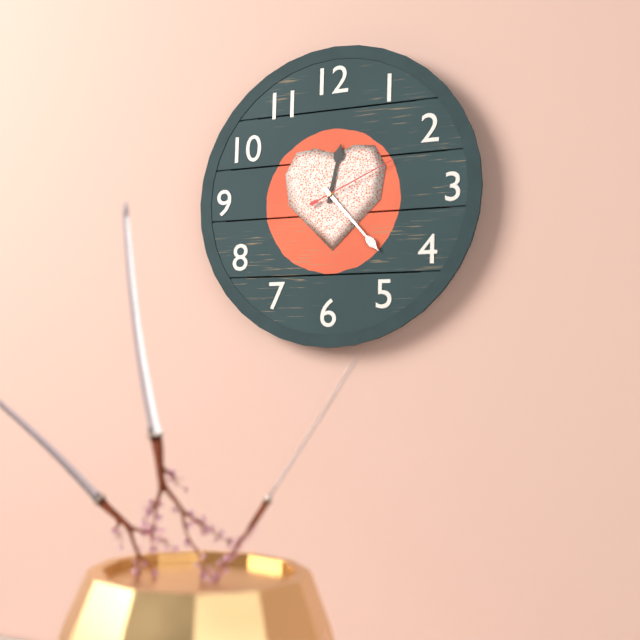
12:23:11
